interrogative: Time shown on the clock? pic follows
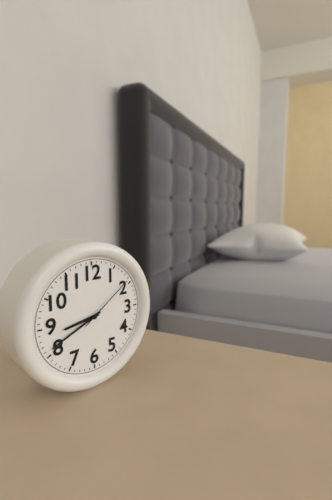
8:41:09
